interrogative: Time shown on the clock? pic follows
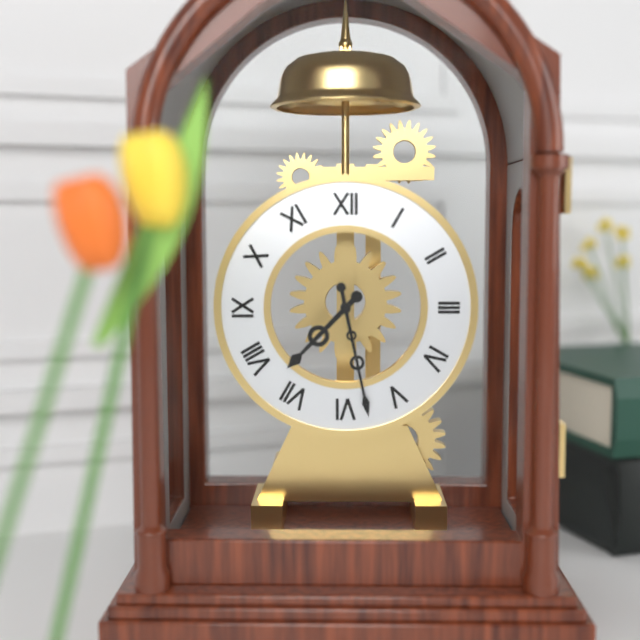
7:28
